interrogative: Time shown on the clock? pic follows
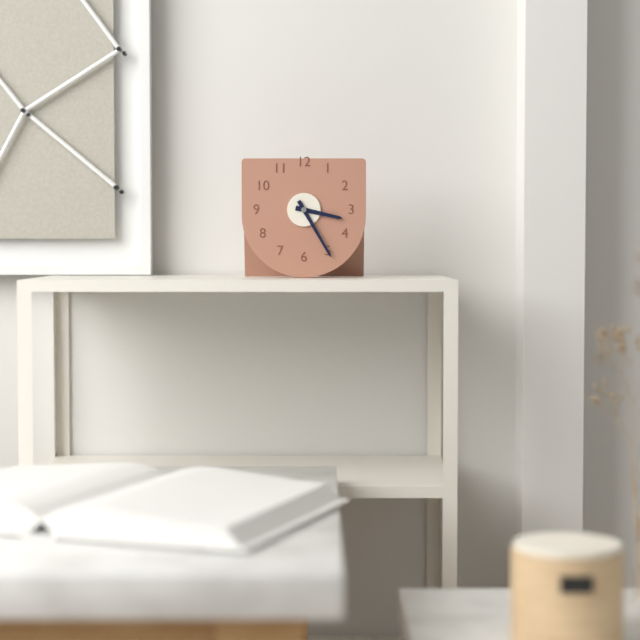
3:25
